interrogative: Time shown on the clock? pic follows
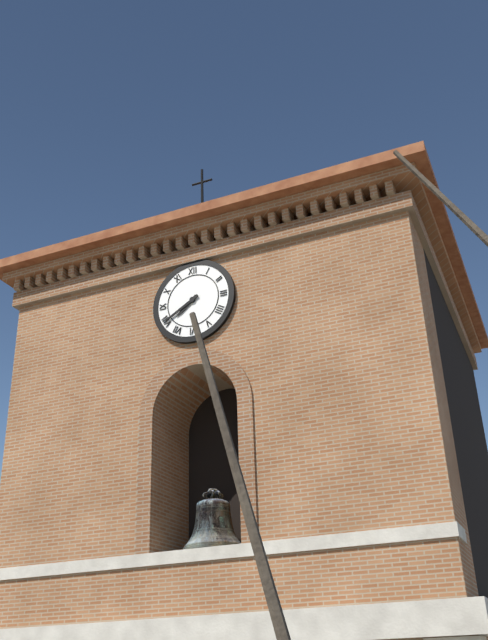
7:40
